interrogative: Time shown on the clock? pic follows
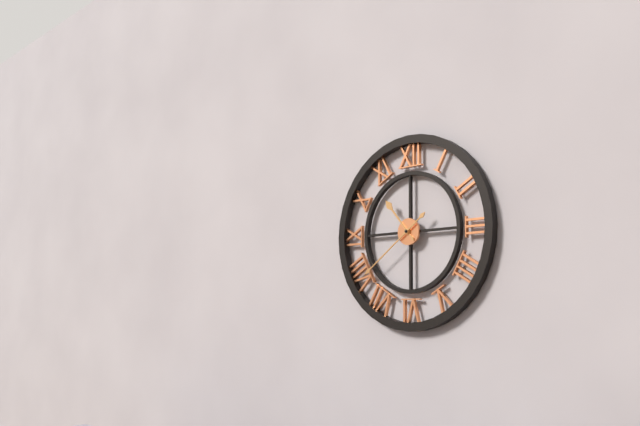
10:39
